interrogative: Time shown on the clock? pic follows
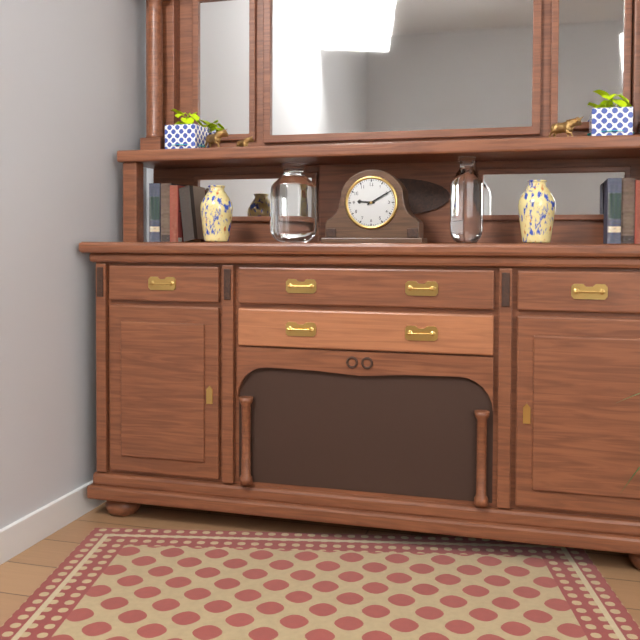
9:10
